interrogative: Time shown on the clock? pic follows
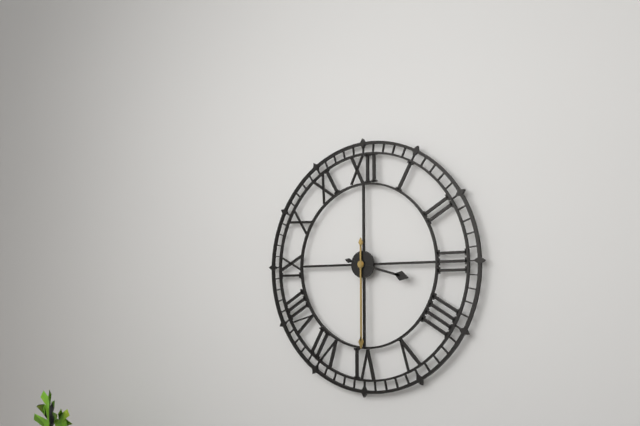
3:30
